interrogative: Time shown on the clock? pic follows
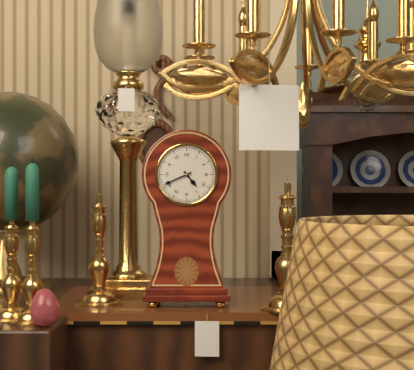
4:41
